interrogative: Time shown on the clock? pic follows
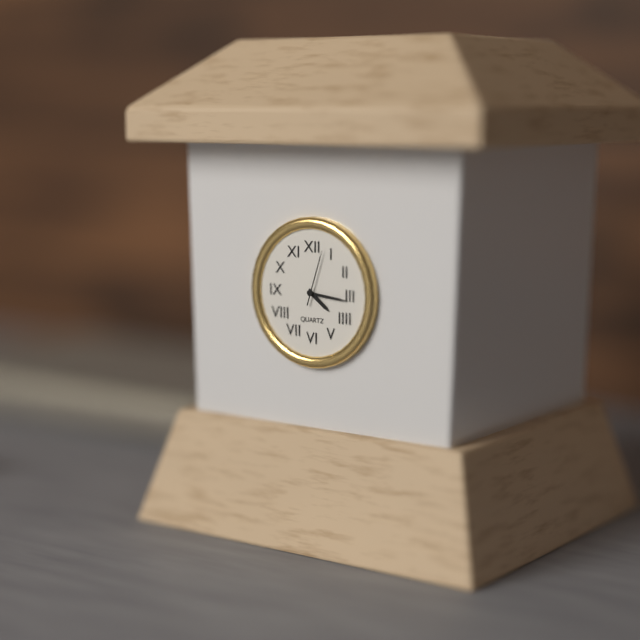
4:16:03
